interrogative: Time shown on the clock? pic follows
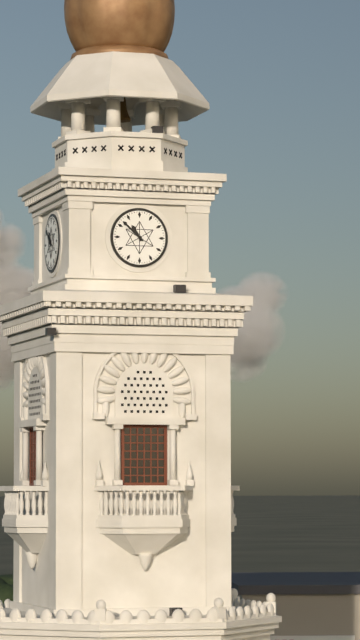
10:52
